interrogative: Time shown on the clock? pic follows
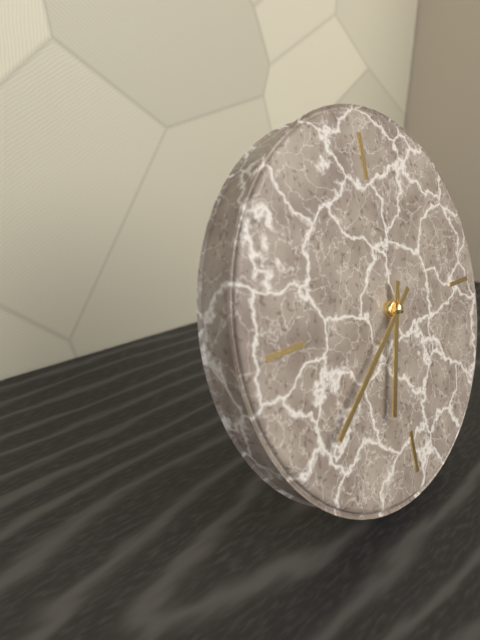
6:39
